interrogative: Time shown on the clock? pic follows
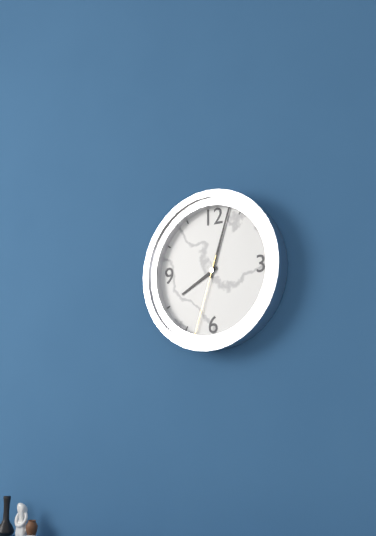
8:03:33
